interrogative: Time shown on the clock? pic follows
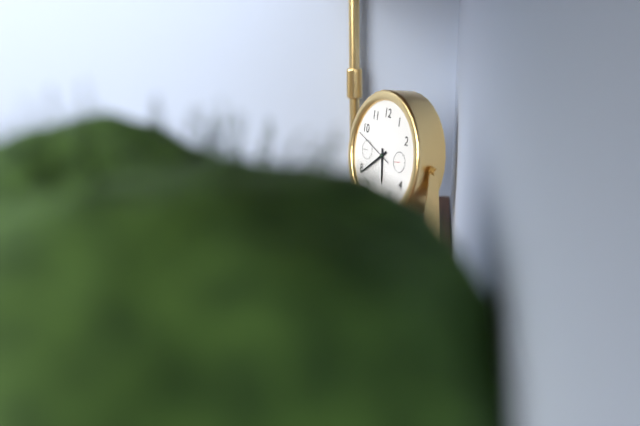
5:39
